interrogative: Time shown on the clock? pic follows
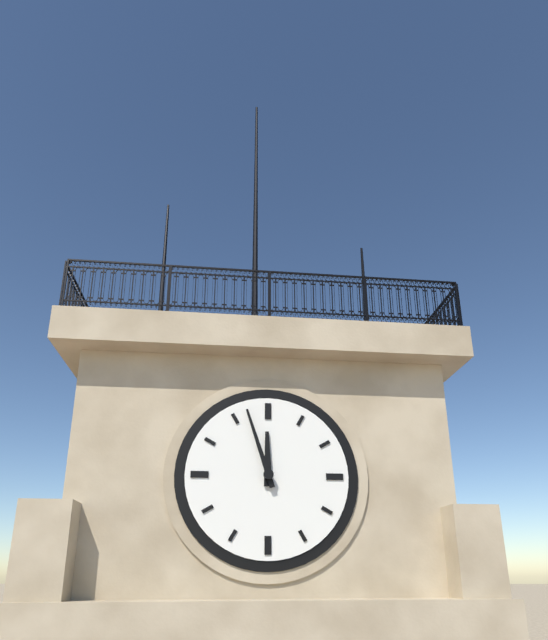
11:57
